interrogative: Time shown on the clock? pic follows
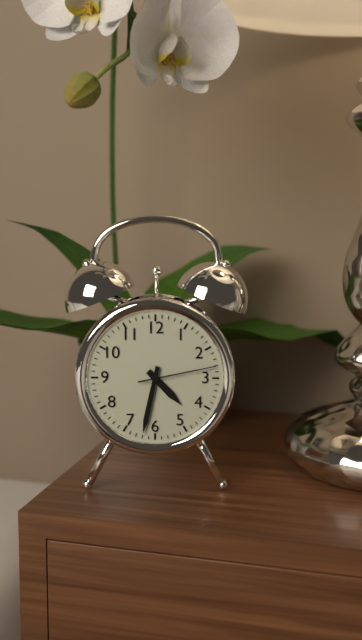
4:32:13
